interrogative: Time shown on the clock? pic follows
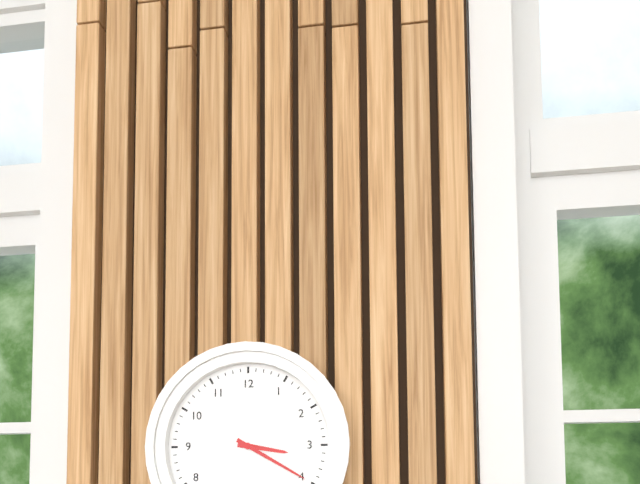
3:20
